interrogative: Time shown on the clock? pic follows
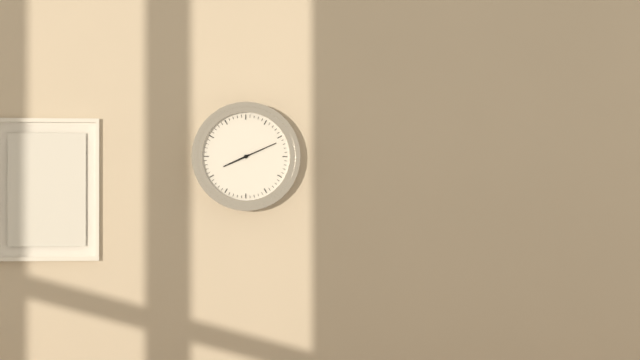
8:11
